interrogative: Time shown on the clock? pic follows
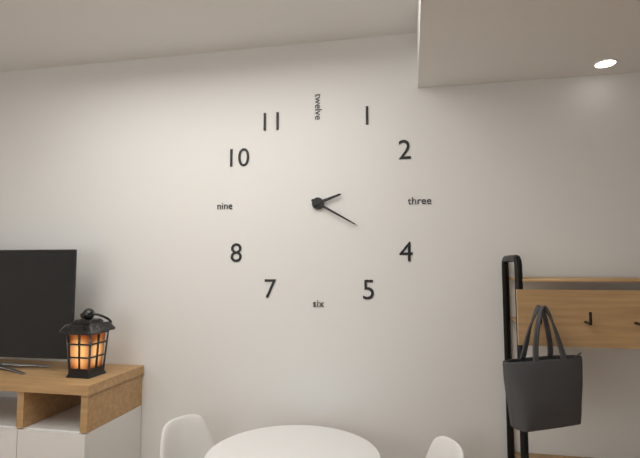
2:20
